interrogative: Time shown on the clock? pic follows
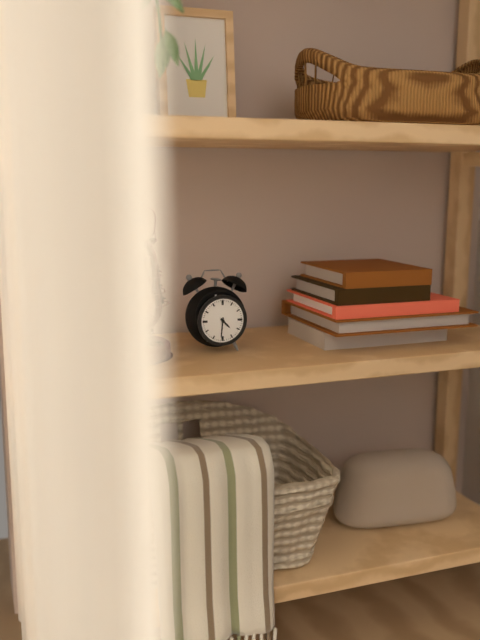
4:31
